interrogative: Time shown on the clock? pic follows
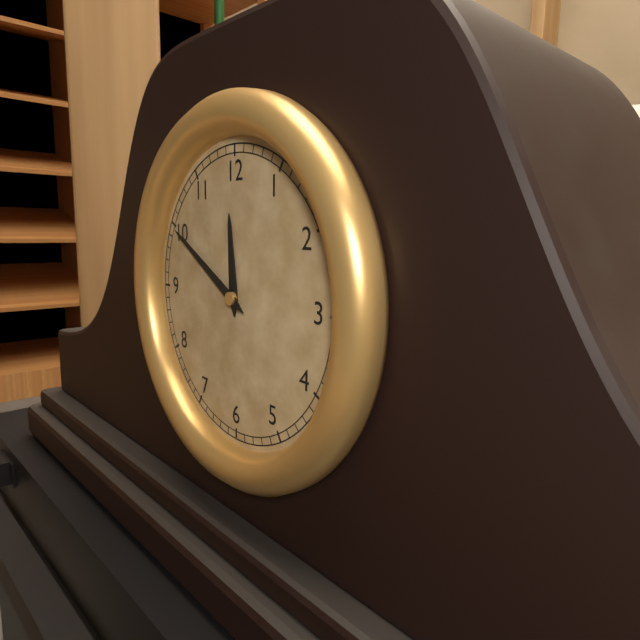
11:50
